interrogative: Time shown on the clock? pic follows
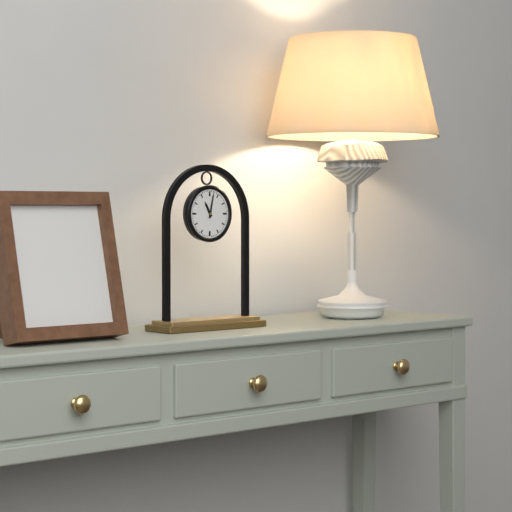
11:02
